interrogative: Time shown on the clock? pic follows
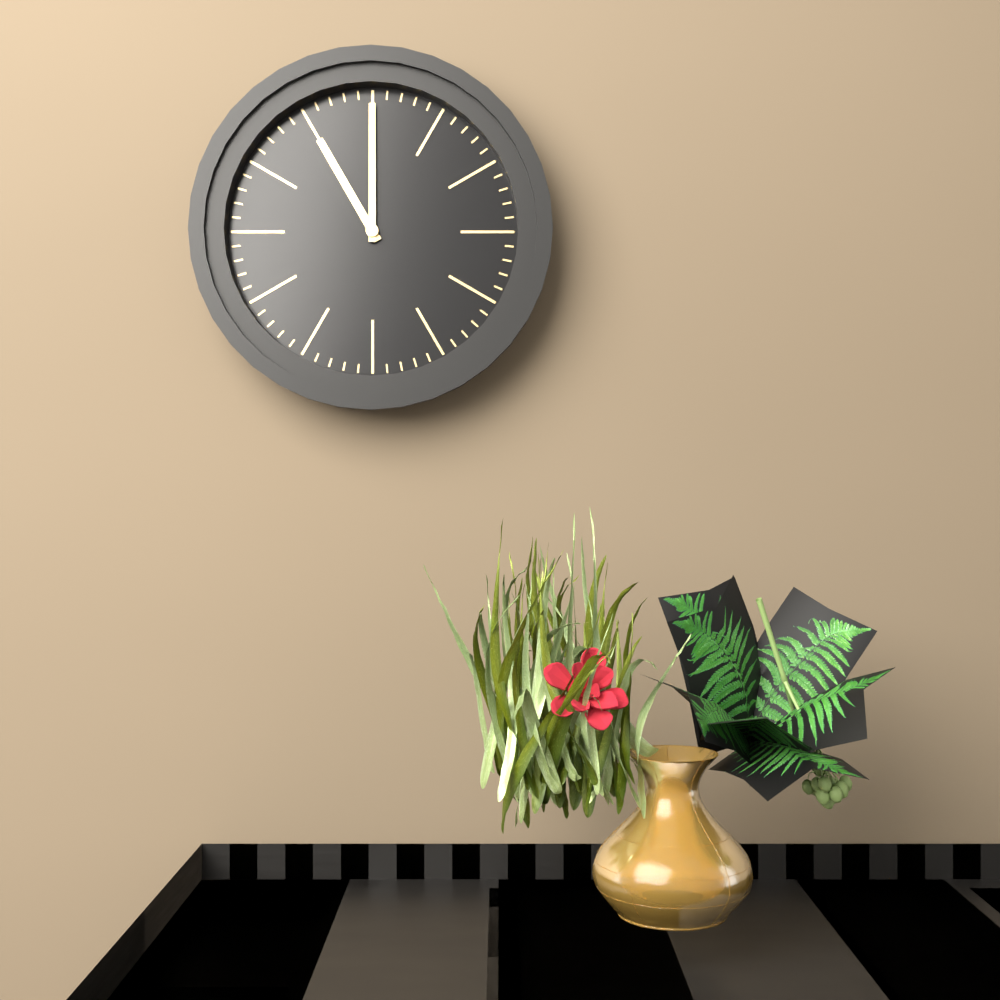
11:00
